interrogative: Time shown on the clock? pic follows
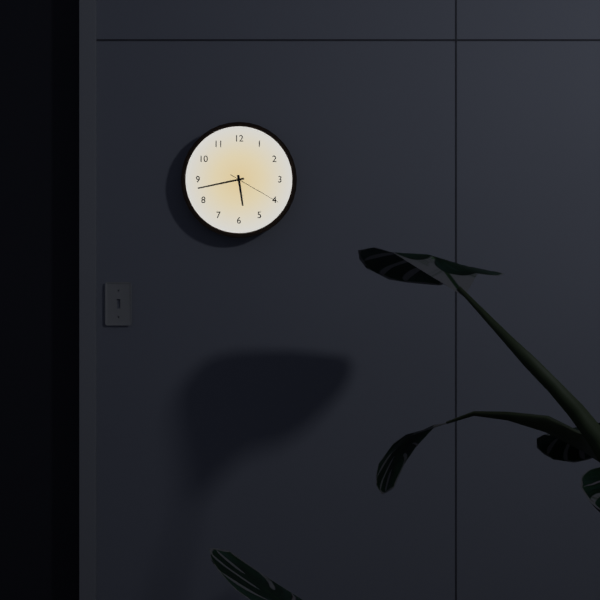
5:43:20
